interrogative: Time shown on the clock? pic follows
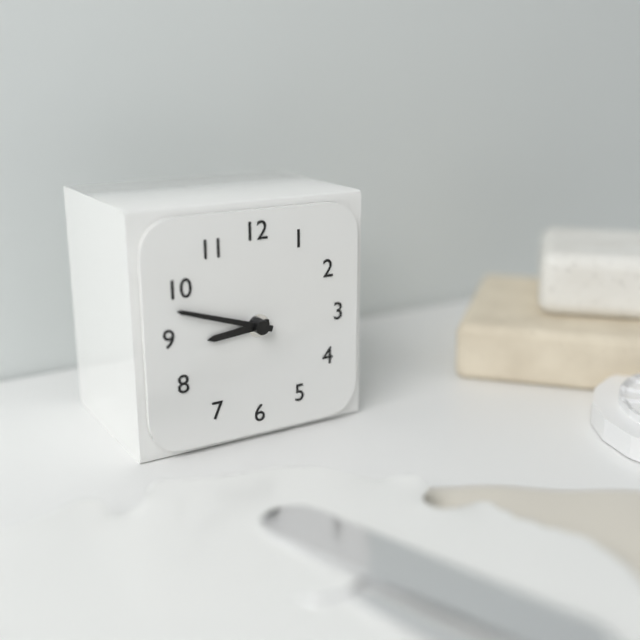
8:48
